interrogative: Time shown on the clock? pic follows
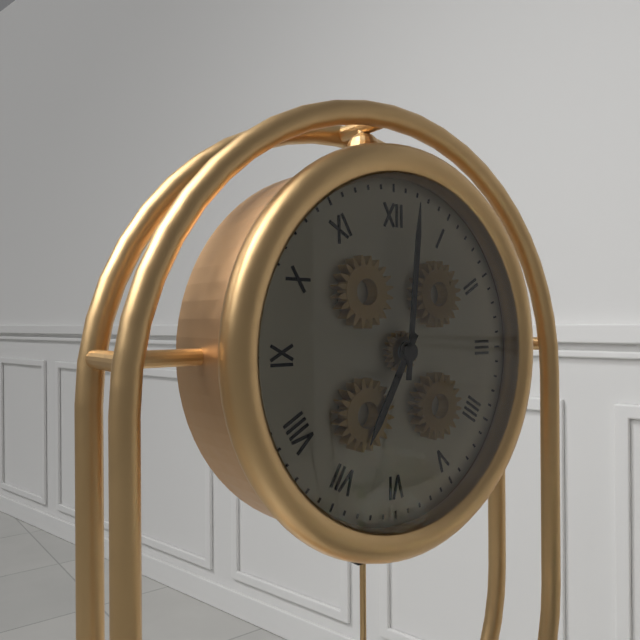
7:01
